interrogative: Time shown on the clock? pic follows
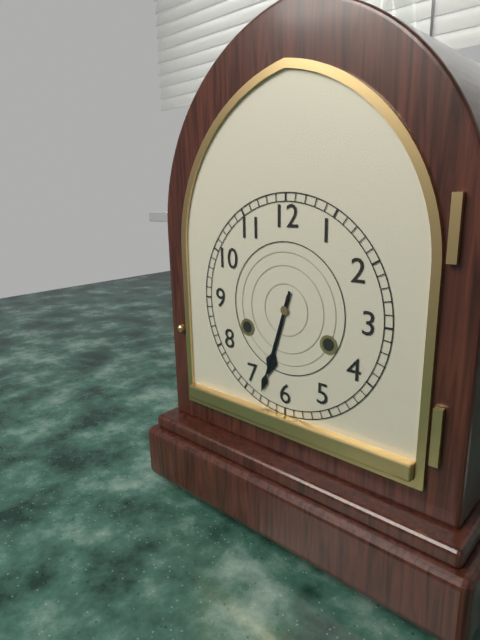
6:33
